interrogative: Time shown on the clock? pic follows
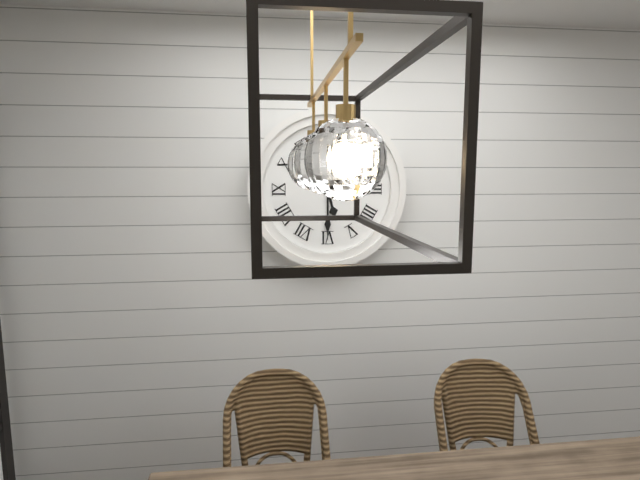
5:30
